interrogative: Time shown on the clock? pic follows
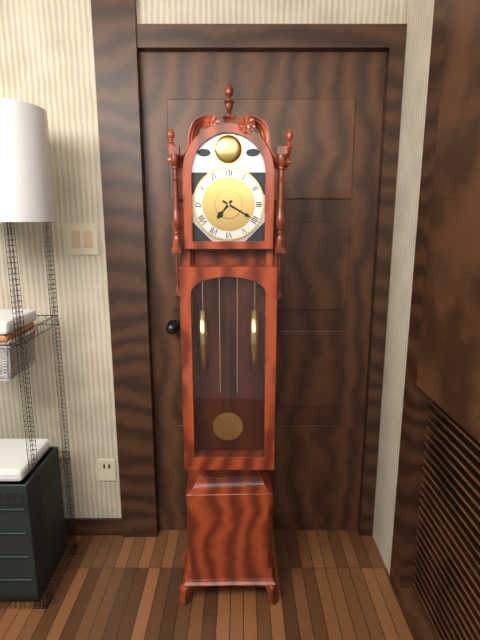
7:20
